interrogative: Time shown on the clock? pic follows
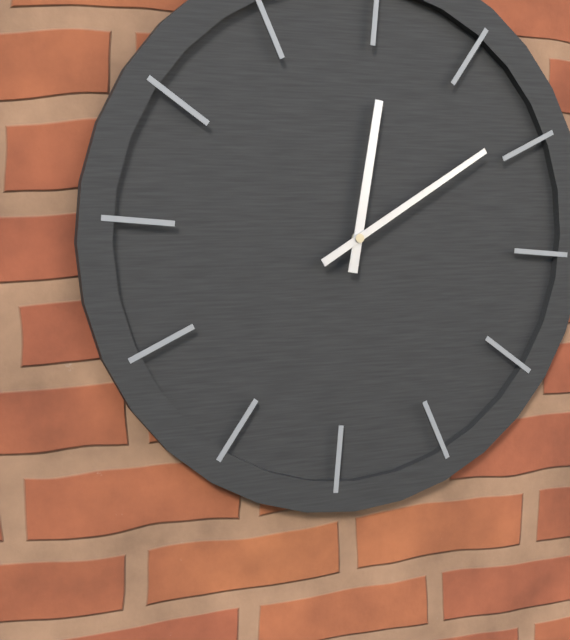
12:09
